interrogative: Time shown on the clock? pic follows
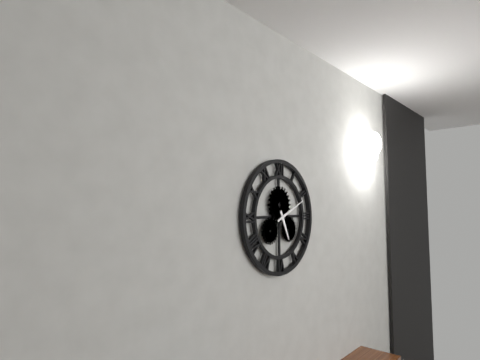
5:11
